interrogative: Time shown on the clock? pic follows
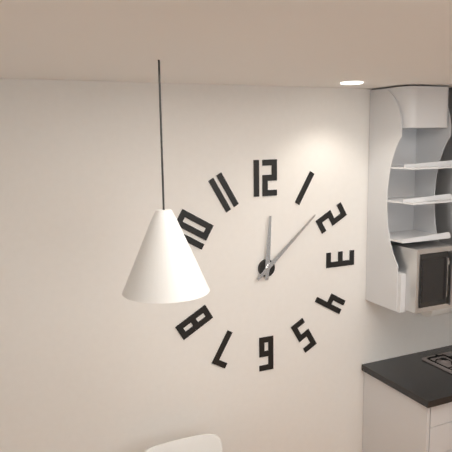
12:08
